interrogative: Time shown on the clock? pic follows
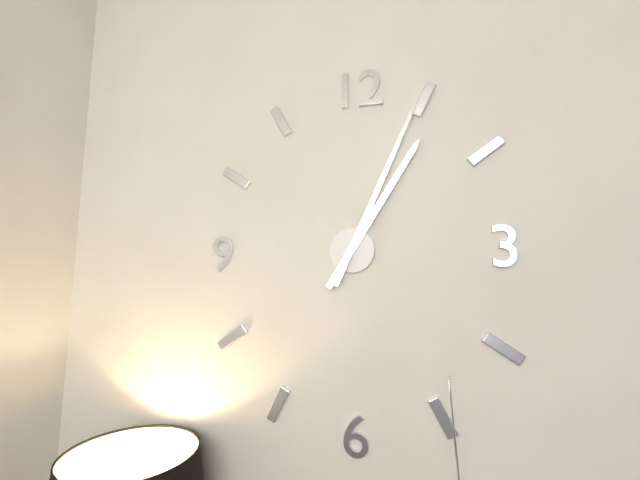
1:04
